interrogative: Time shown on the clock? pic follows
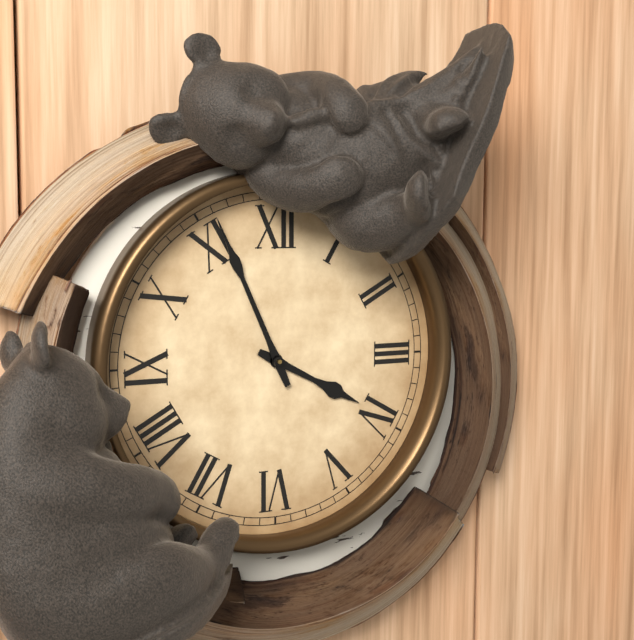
3:56
